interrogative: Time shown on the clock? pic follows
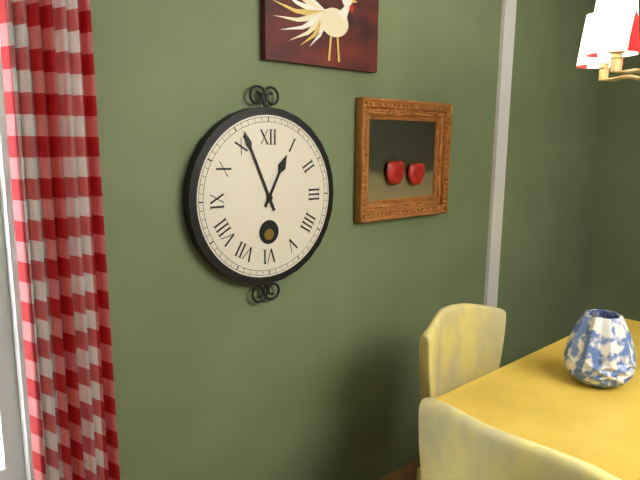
12:56
